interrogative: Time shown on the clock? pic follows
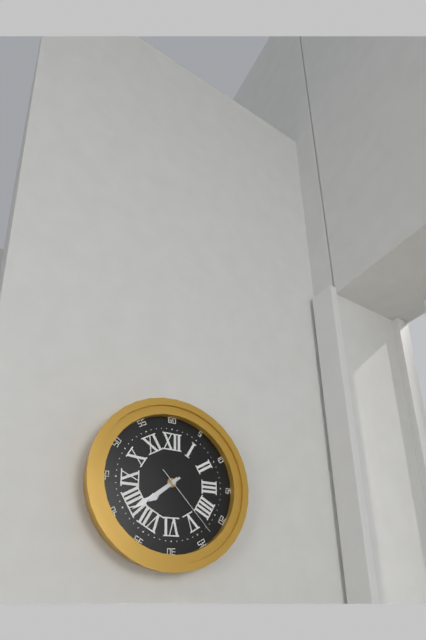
7:39:23
